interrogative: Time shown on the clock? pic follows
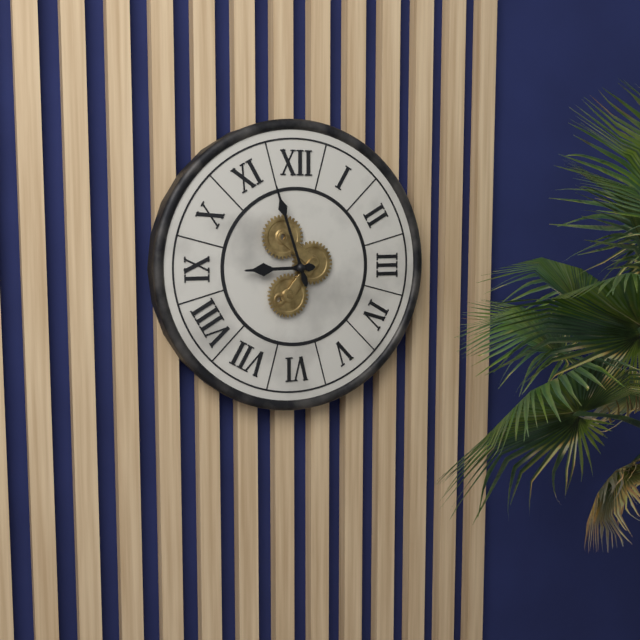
8:57
